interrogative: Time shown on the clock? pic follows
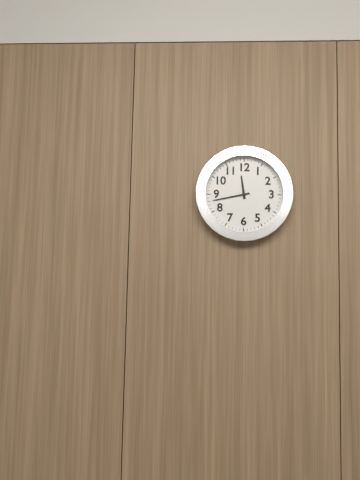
11:43
